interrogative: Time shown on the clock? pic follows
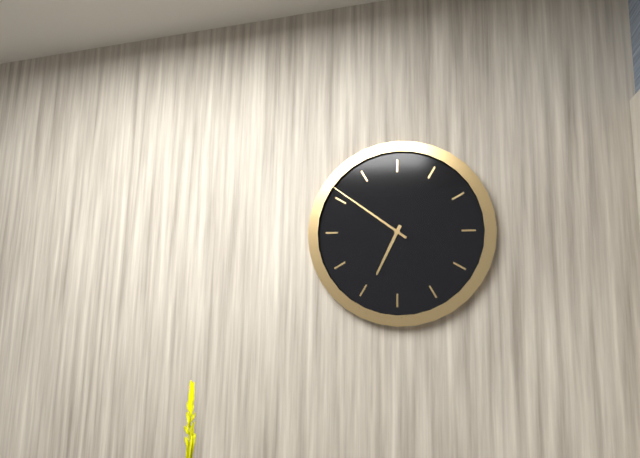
6:51
